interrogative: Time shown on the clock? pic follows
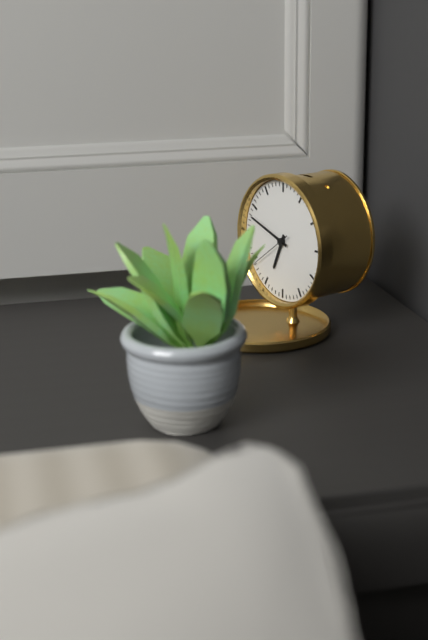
6:48
